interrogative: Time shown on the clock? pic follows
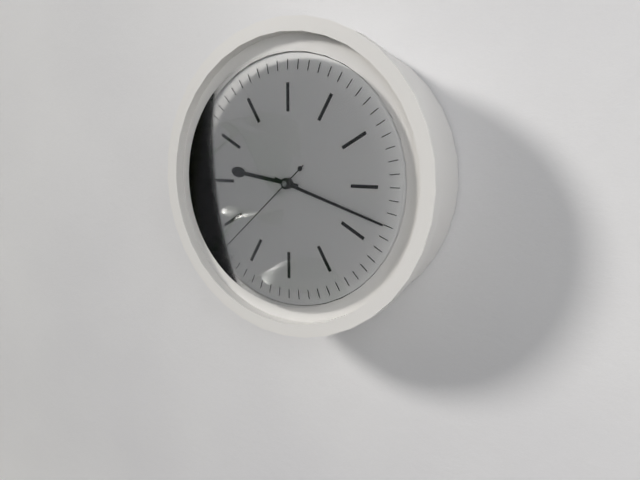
9:18:38
